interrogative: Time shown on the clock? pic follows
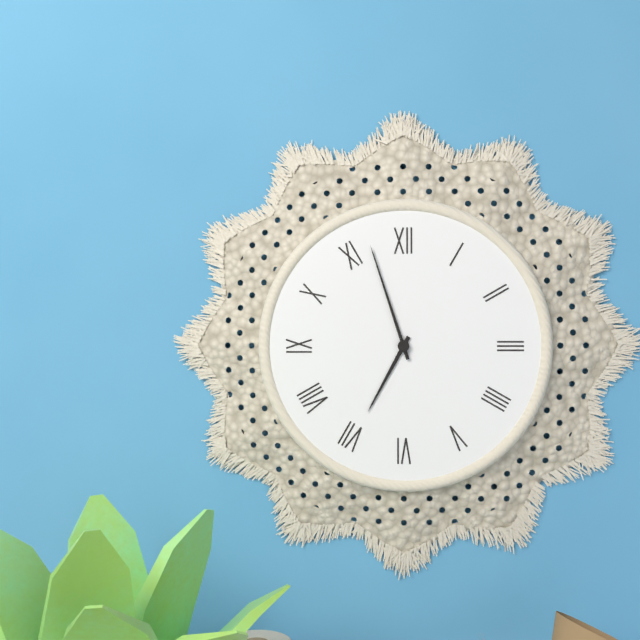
6:57
